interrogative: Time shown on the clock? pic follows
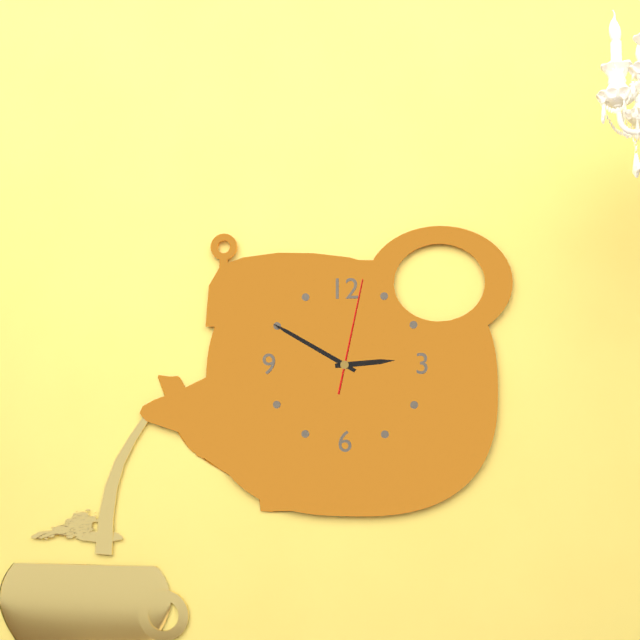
2:50:02
